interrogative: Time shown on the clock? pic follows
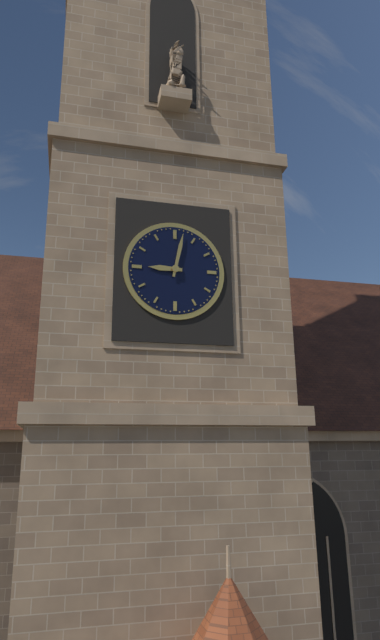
9:02
